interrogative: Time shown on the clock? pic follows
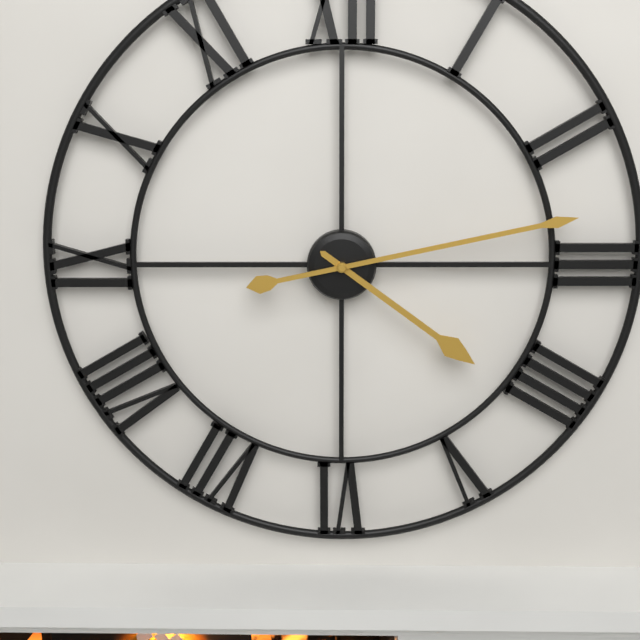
4:13
